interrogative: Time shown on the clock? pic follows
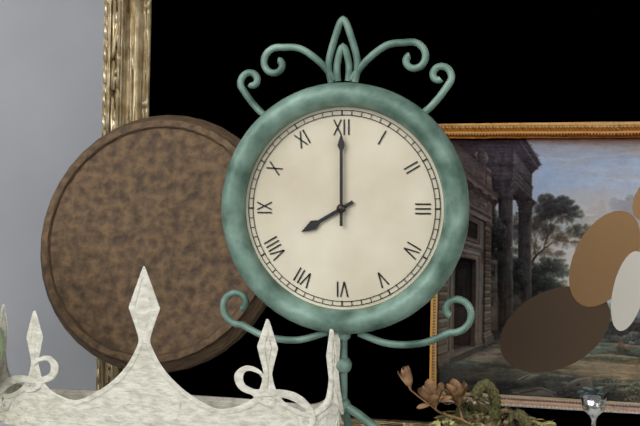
8:00
